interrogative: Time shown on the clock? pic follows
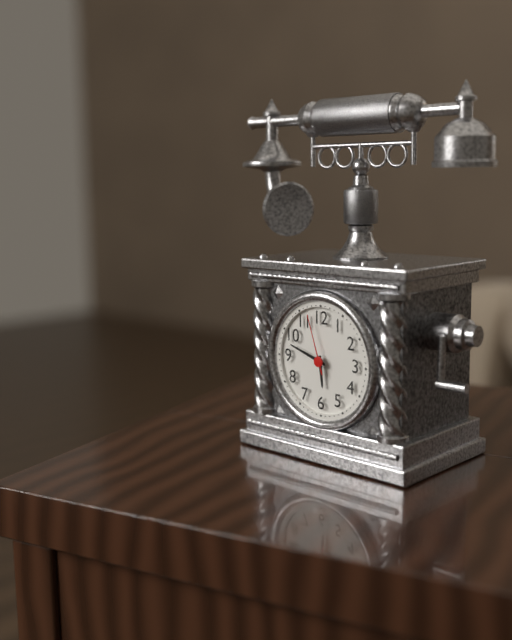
5:48:57
